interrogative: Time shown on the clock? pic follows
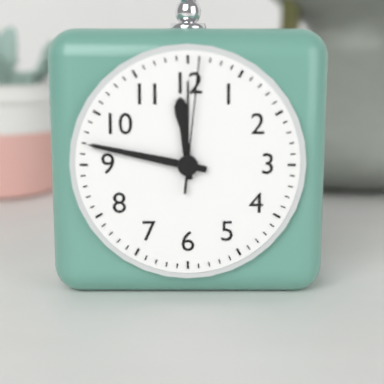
11:47:01
